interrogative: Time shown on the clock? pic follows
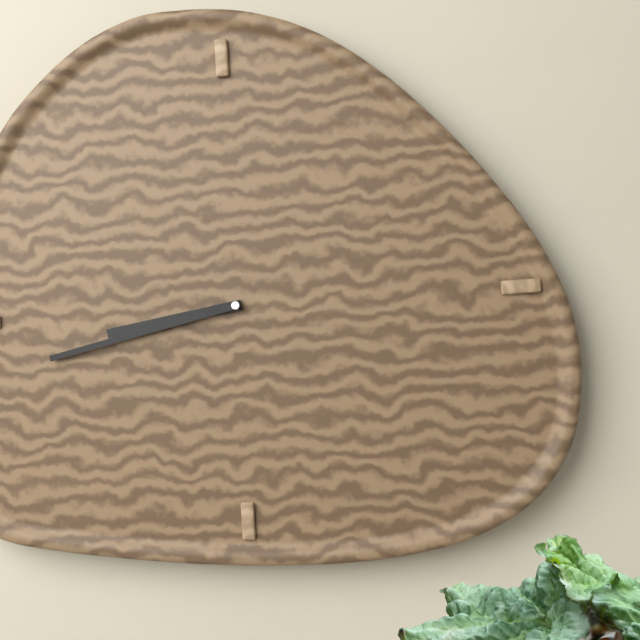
8:43
